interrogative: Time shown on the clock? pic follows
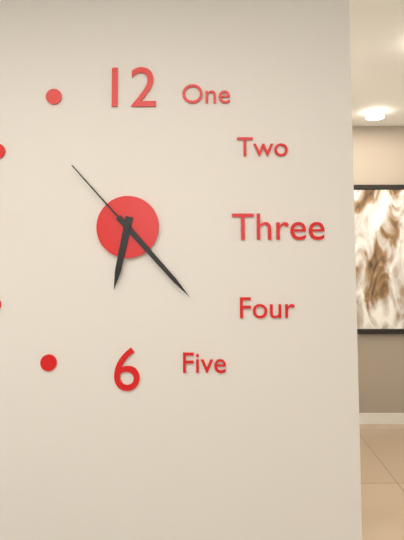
6:23:53
